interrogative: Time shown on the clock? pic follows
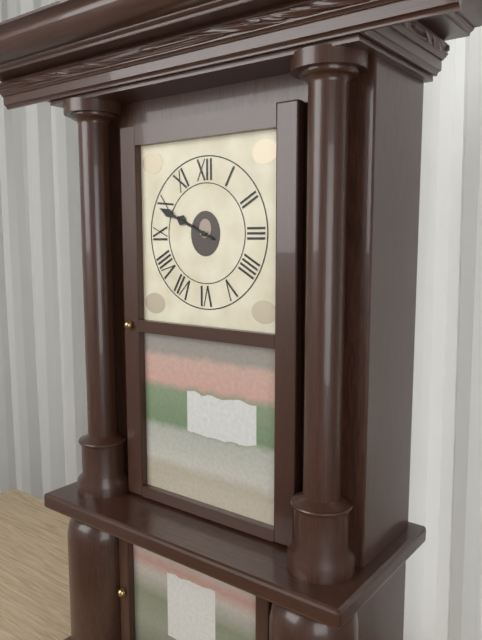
9:49
